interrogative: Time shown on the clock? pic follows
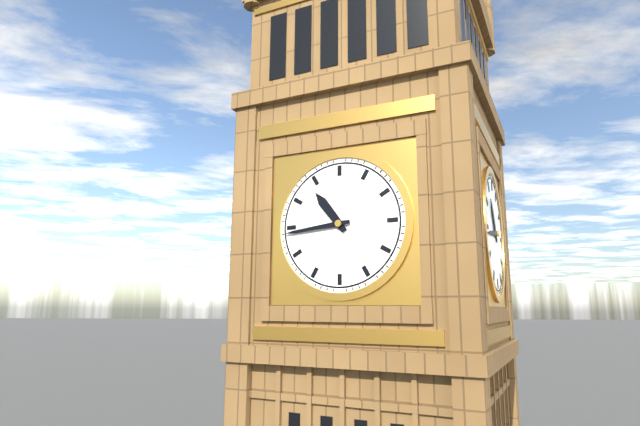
10:44
